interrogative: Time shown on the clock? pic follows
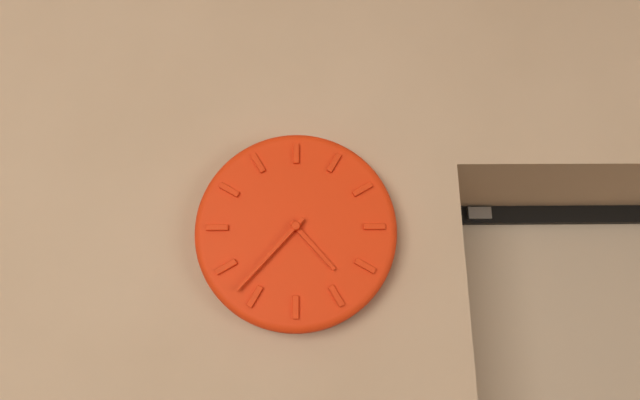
4:37
